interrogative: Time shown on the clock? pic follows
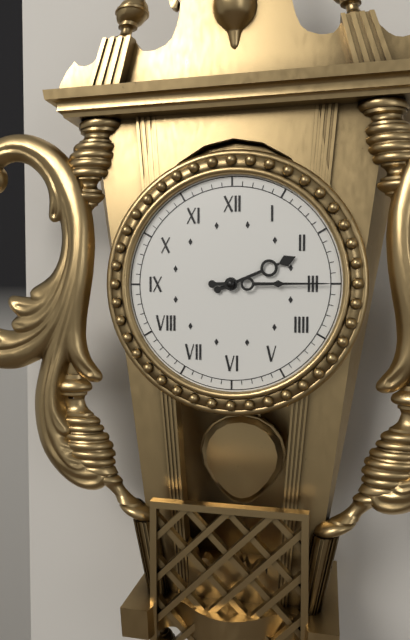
2:15
